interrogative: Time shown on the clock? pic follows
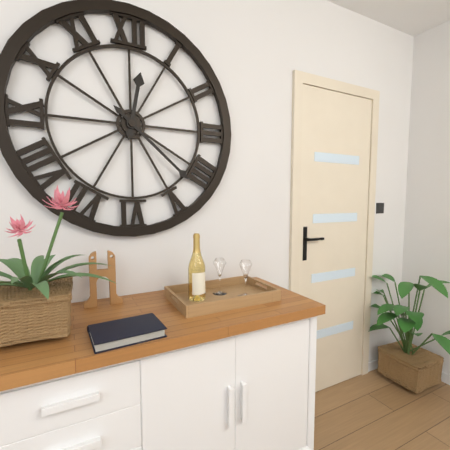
12:22
